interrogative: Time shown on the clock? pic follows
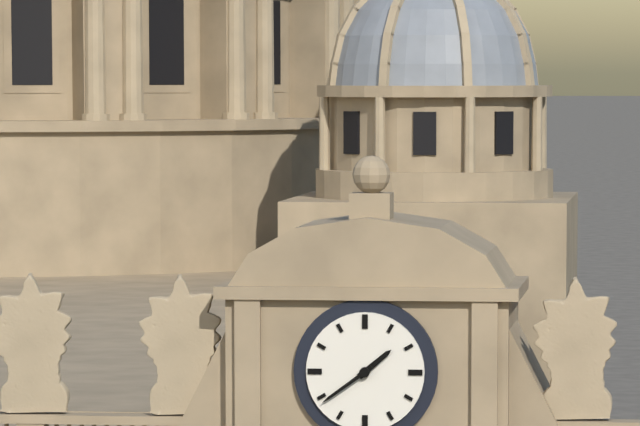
1:39
